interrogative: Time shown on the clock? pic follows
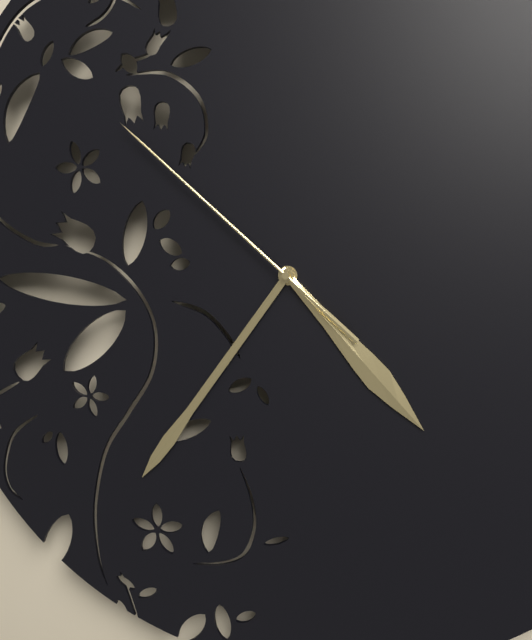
4:36:52
